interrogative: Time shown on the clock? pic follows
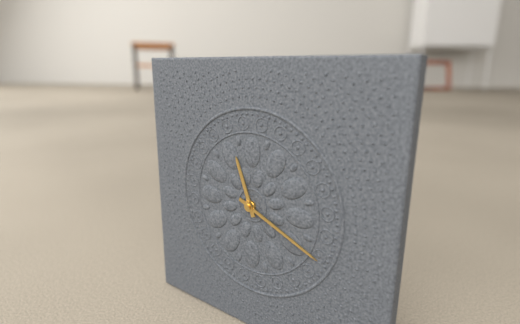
11:19
